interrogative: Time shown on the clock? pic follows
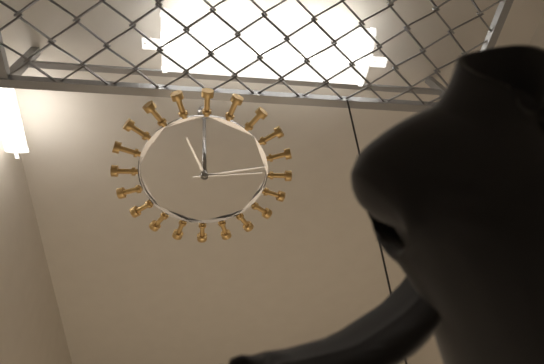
11:13:14
